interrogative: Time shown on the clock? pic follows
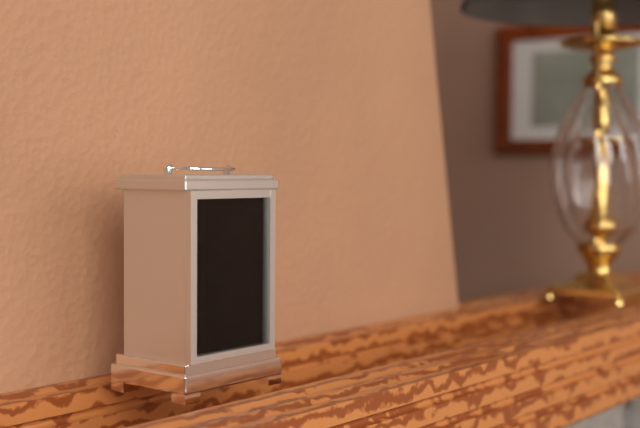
3:11
